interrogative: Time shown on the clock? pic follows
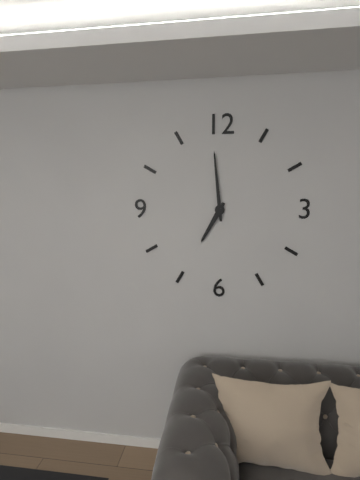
6:59
